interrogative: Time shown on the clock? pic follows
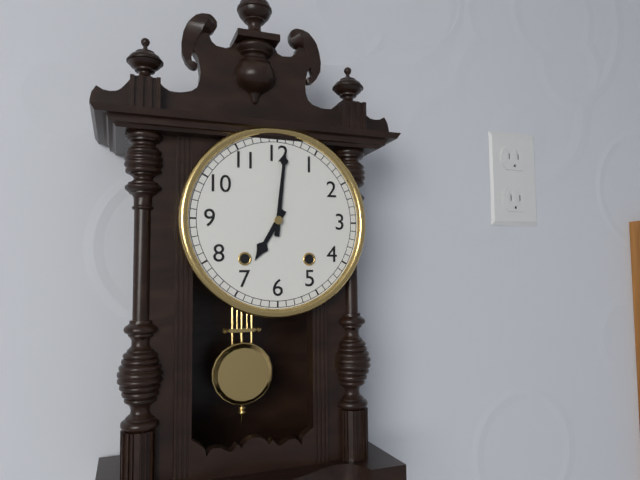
7:01
